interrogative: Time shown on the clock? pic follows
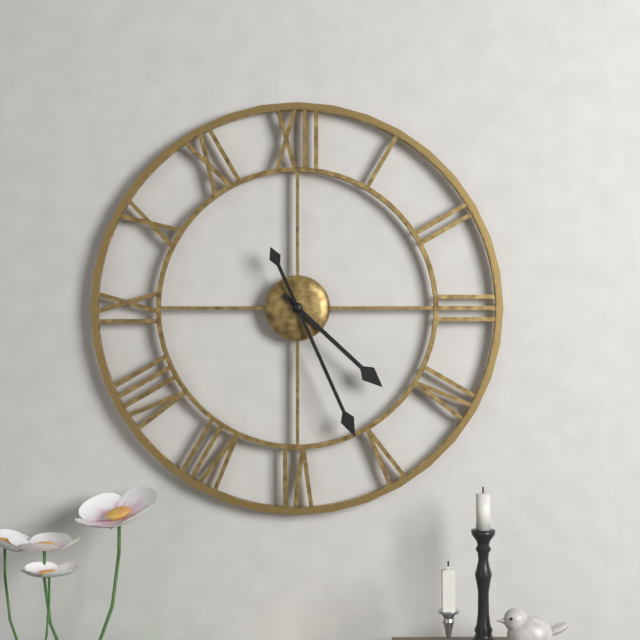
4:26
